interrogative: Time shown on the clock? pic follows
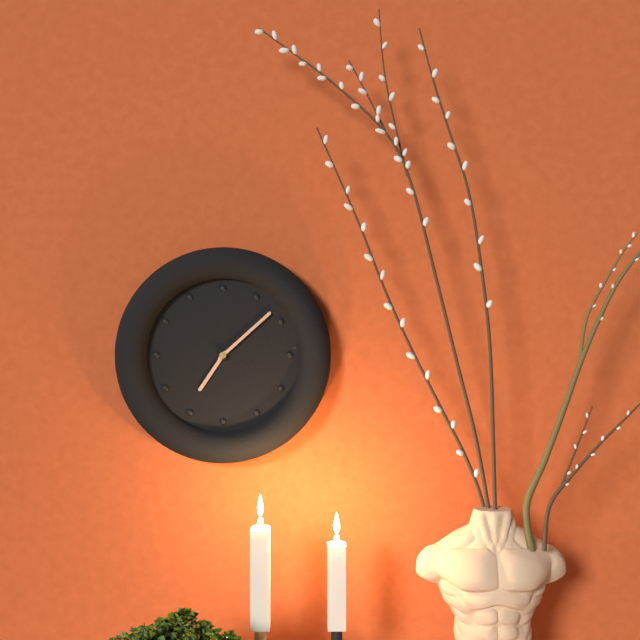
7:08
